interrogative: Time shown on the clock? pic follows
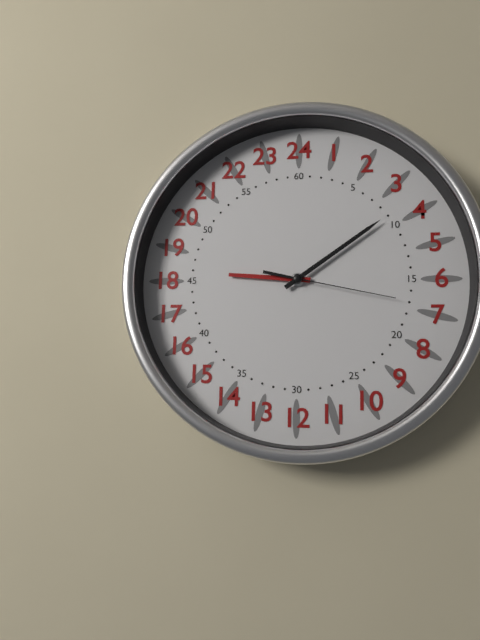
9:09:17
